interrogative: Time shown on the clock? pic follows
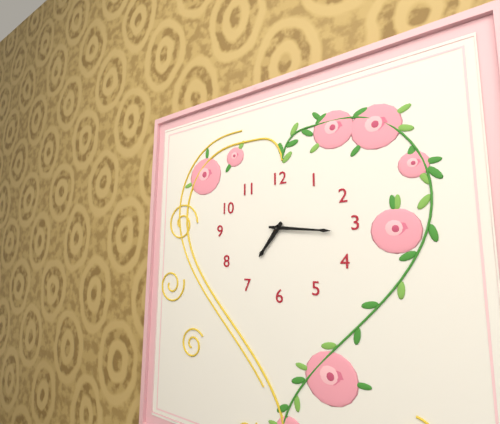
7:16
